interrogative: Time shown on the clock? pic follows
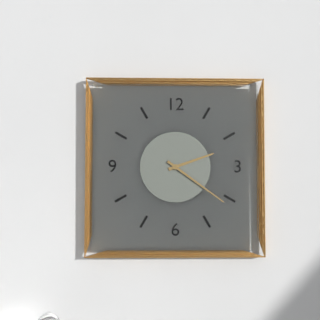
2:21
